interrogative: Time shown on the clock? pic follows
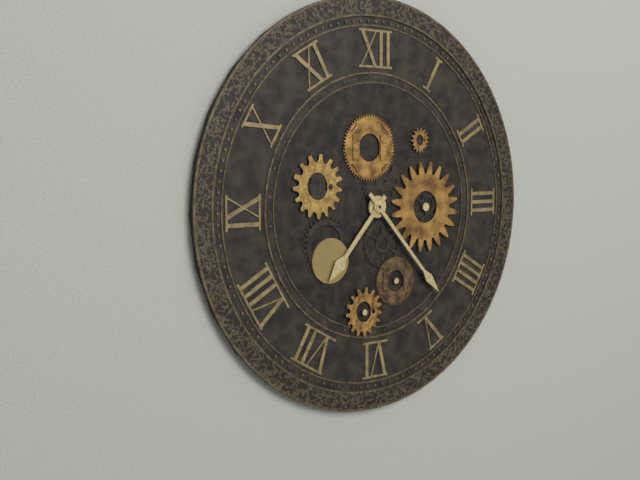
7:23
